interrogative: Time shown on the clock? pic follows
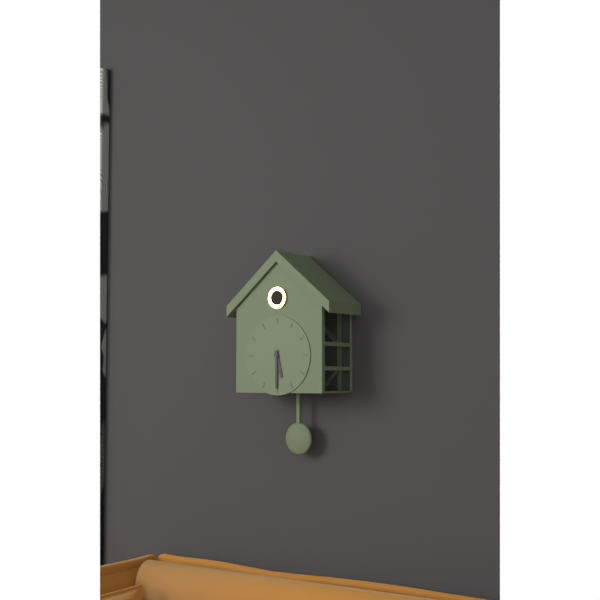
5:30
